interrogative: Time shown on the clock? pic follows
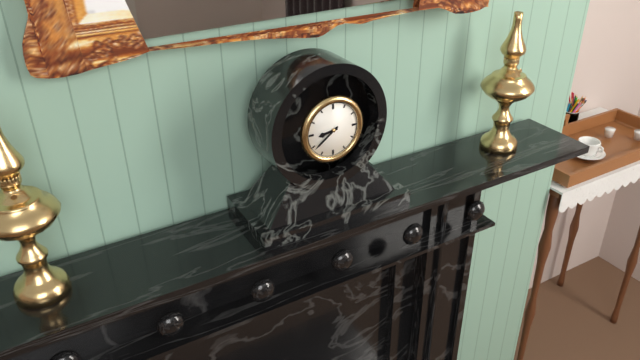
8:39
